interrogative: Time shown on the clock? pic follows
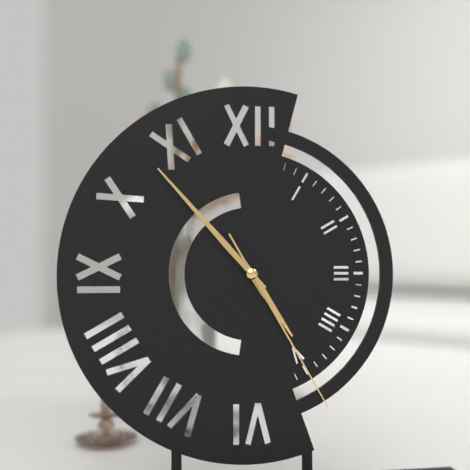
4:53:25
